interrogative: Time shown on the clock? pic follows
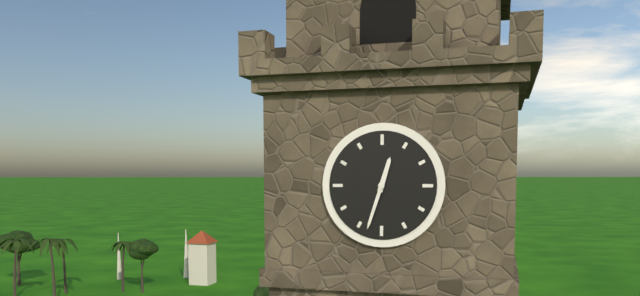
12:33
